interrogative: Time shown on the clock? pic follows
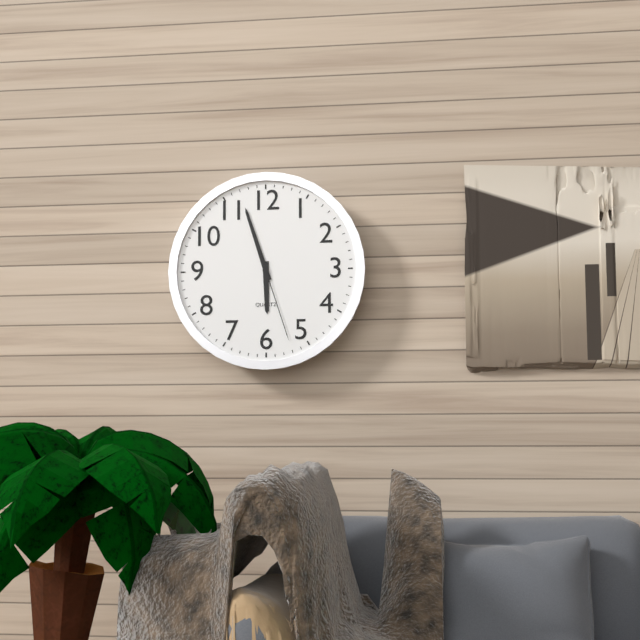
5:57:27
